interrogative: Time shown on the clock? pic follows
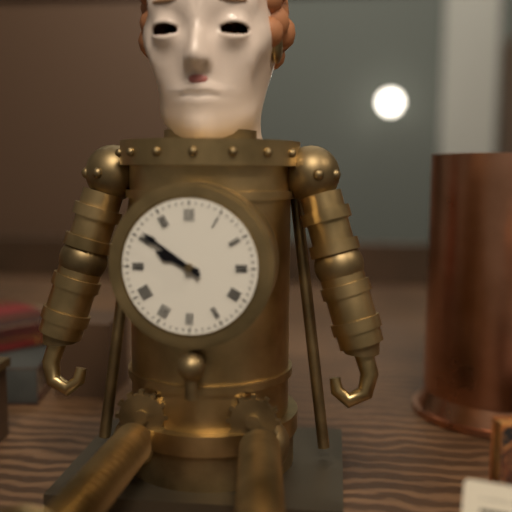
9:51
